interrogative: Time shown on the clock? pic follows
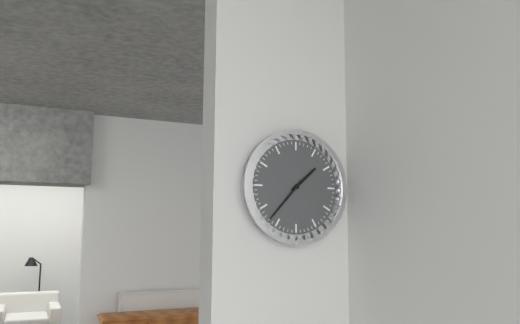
1:37
